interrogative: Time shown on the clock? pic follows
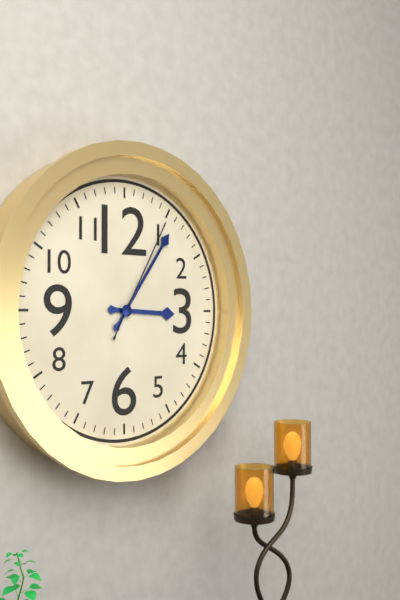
3:06:05
